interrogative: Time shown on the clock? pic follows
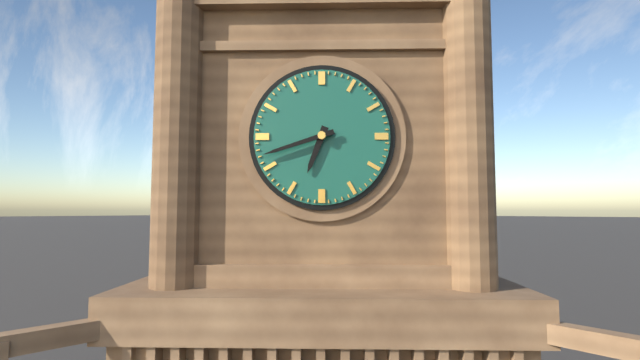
6:42
